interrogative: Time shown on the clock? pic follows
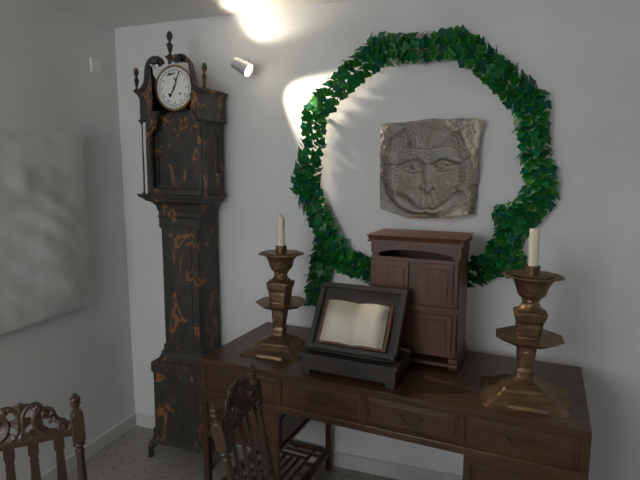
7:04
